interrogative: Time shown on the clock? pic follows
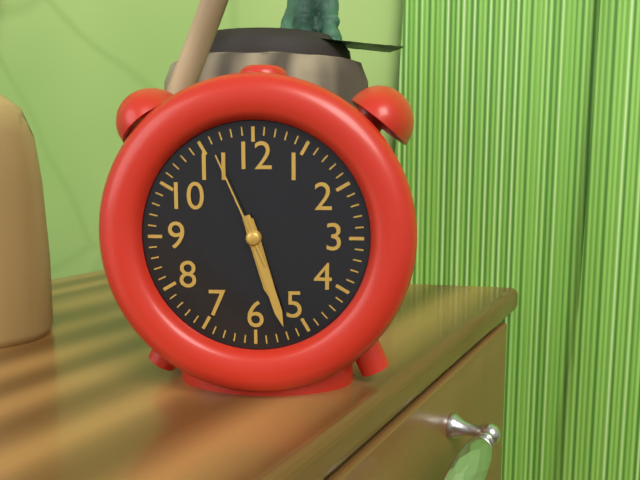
5:27:56
